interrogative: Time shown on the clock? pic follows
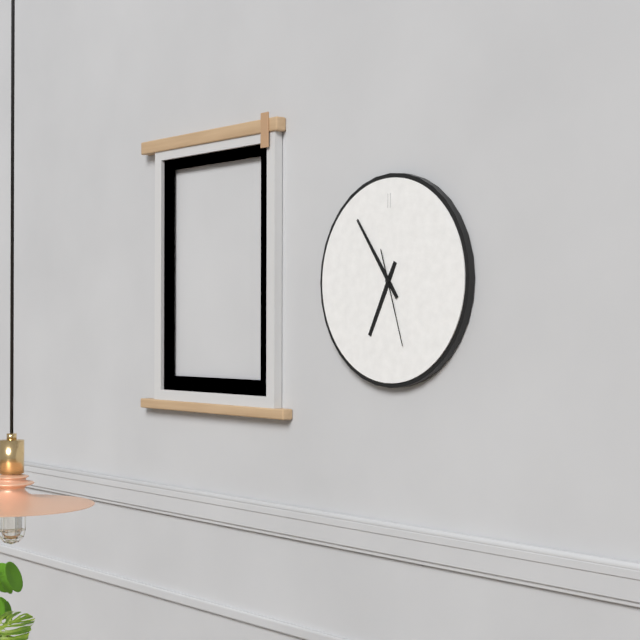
6:54:27
